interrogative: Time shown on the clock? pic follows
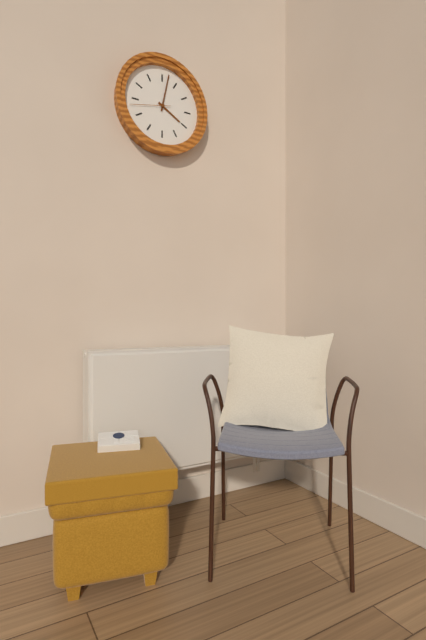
4:02
